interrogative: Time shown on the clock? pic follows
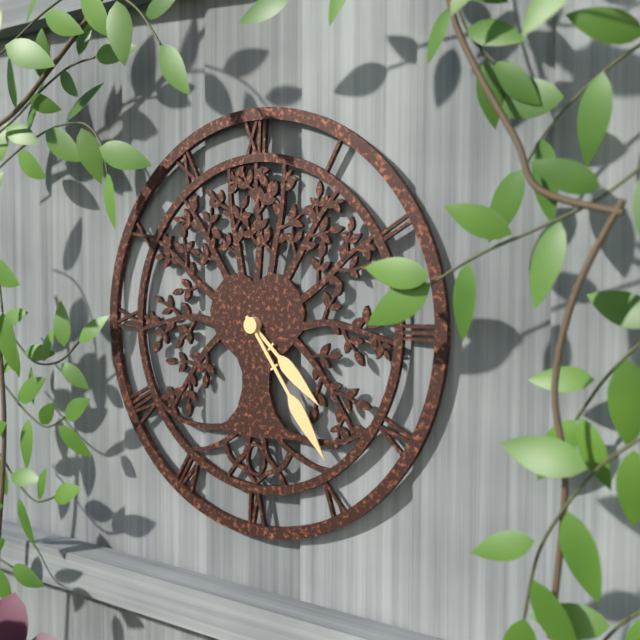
4:24
